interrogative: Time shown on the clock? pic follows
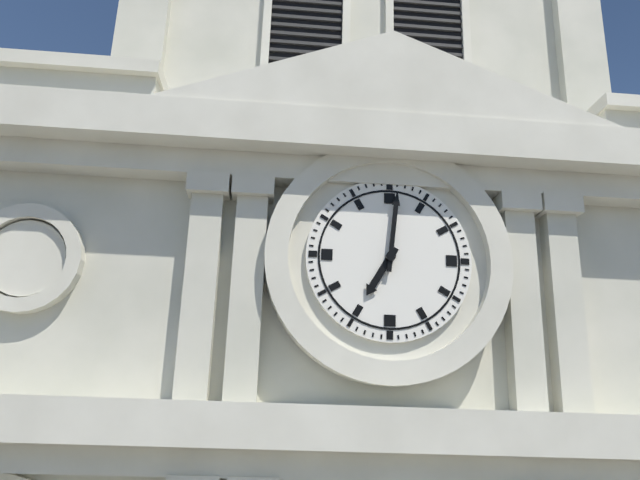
7:01
